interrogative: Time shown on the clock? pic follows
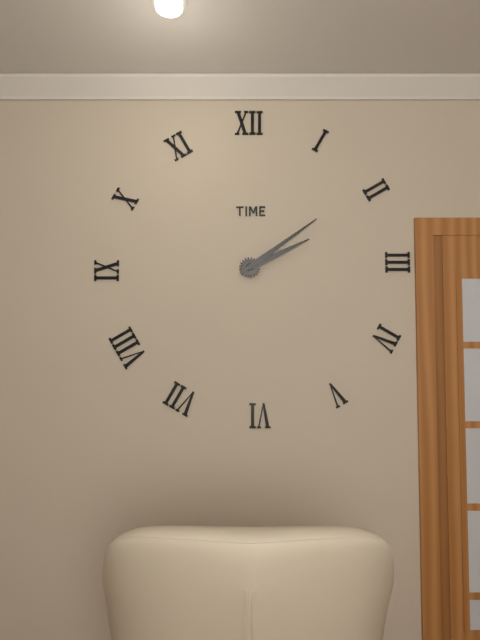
2:09
